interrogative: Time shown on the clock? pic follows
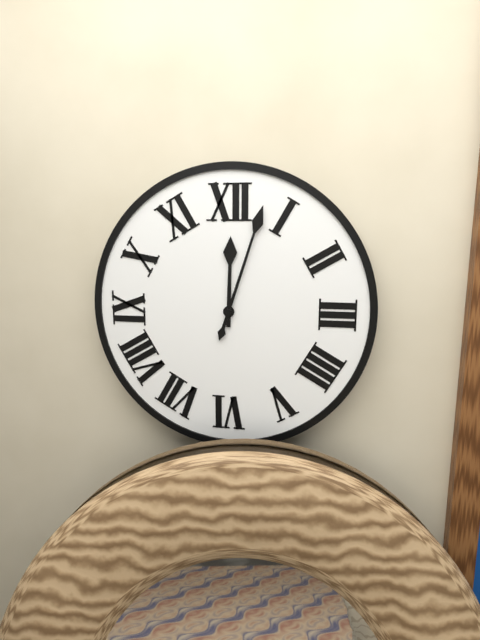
12:03
